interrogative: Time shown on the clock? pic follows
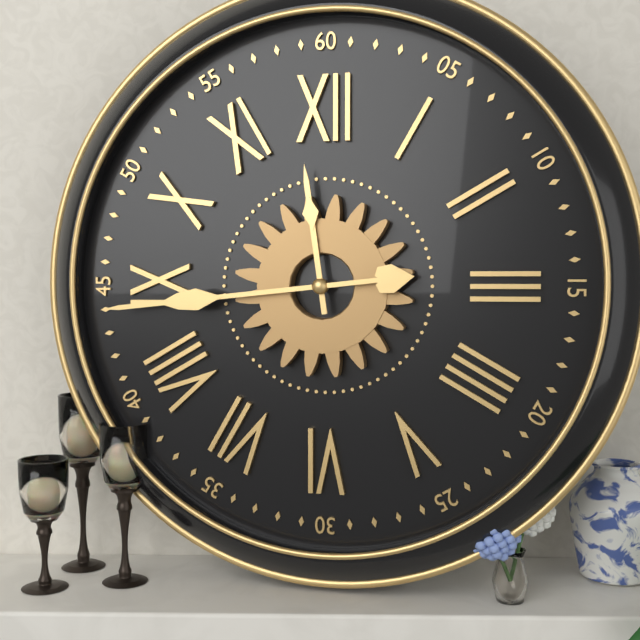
11:44
